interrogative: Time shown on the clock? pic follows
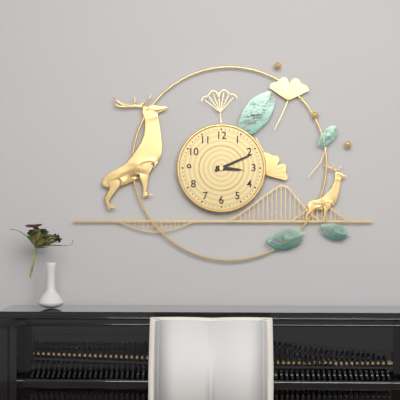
3:11
